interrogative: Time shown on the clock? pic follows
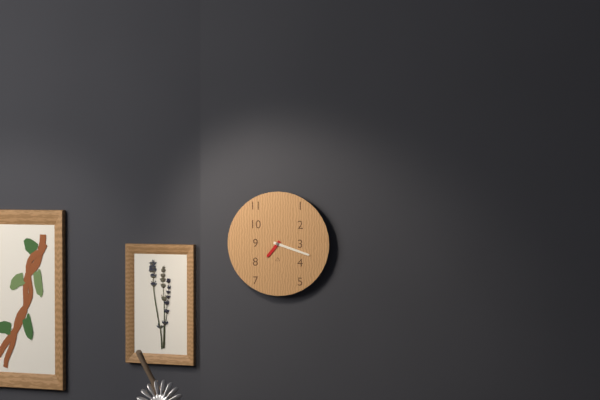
7:18
